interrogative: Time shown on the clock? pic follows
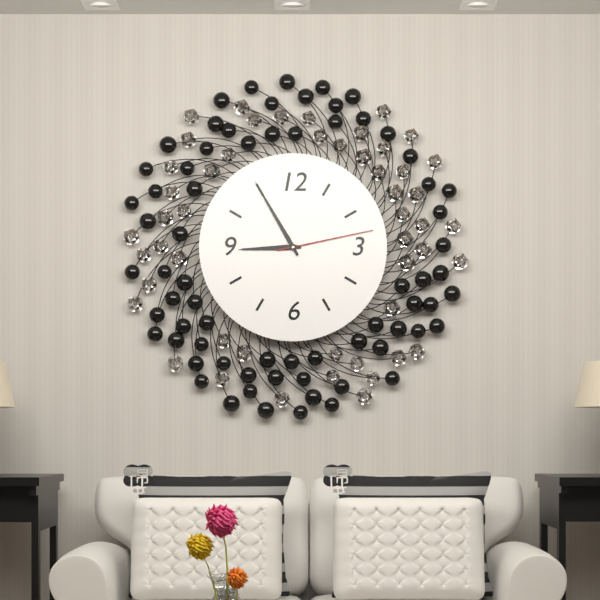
8:55:13
